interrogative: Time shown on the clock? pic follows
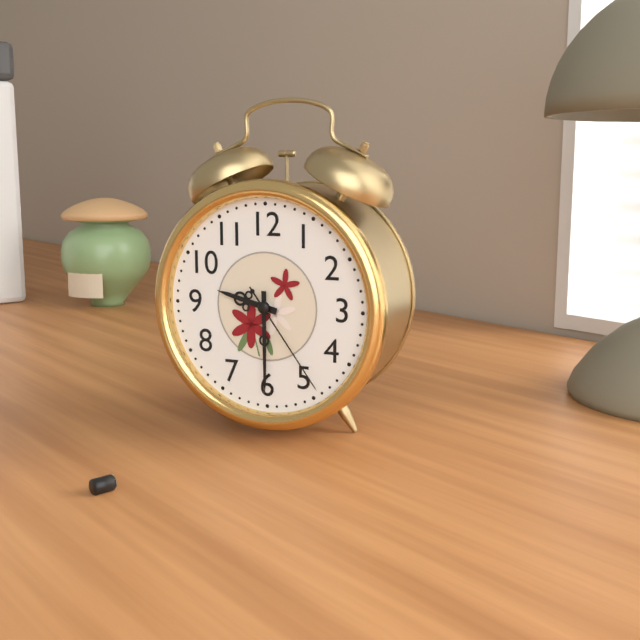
9:30:24
